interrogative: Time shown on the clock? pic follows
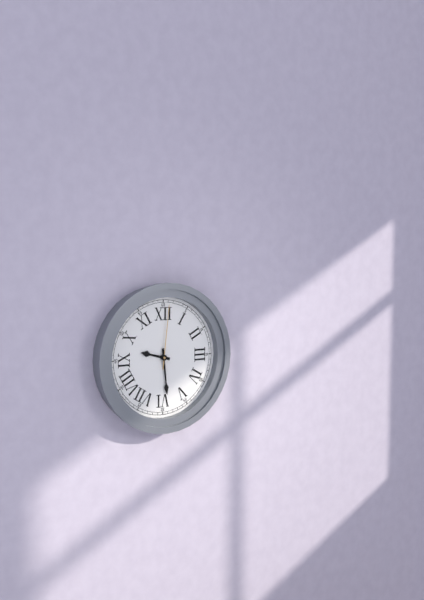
9:29:01
